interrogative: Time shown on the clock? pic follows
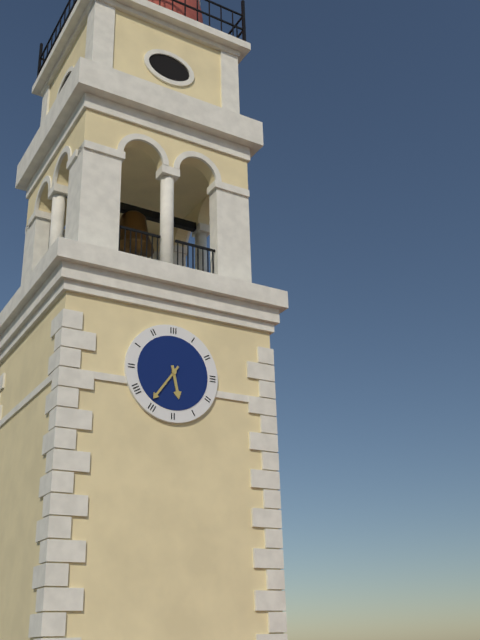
5:36
